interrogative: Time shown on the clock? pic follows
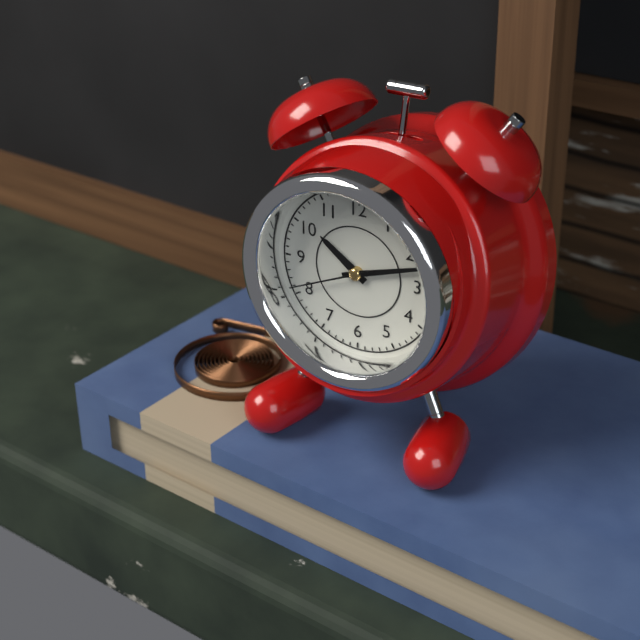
10:12:41
